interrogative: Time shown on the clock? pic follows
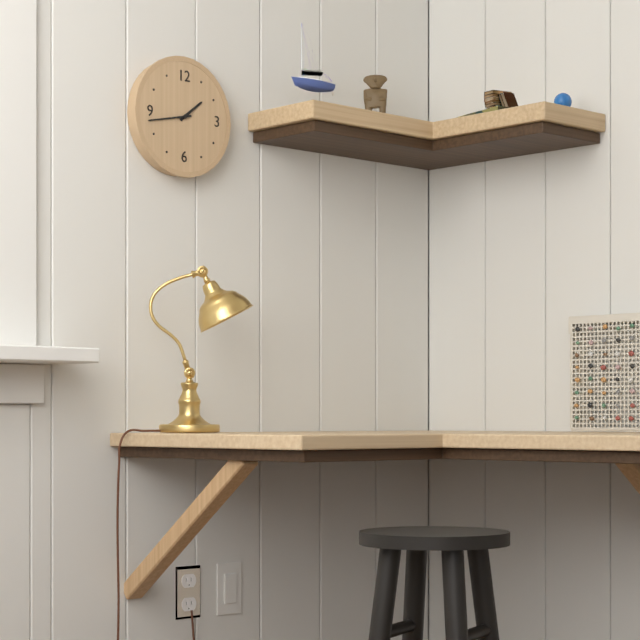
1:43
